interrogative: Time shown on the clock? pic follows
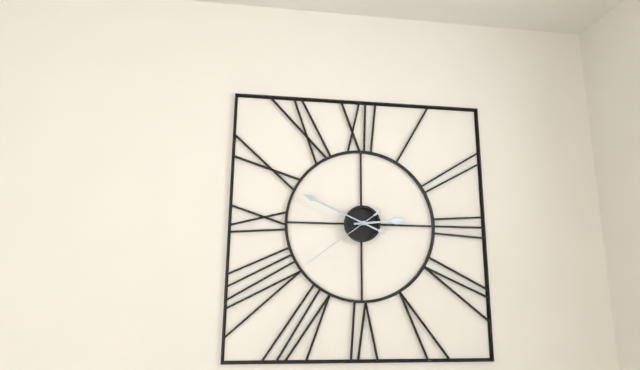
2:49:39
